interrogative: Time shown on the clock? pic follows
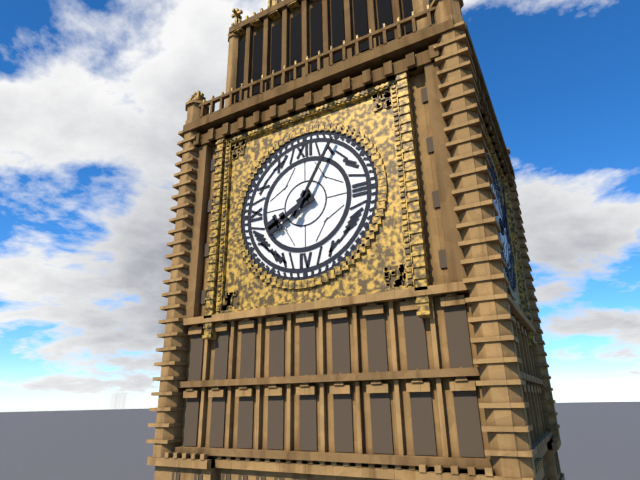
8:05
